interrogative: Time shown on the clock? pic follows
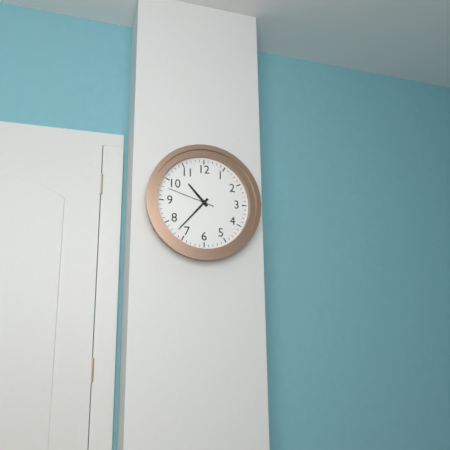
10:37
